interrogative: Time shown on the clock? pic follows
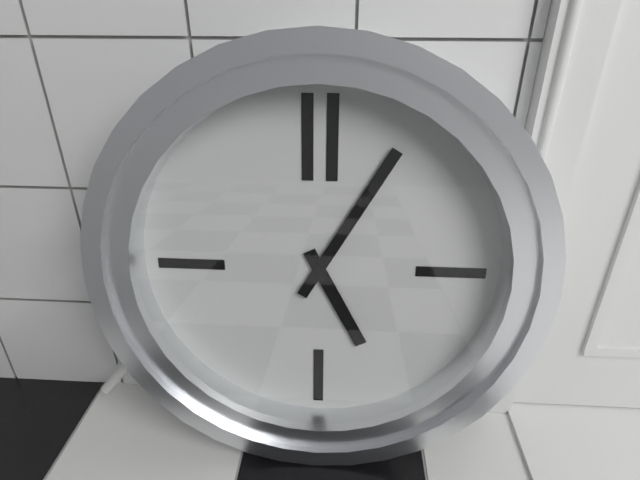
5:05
